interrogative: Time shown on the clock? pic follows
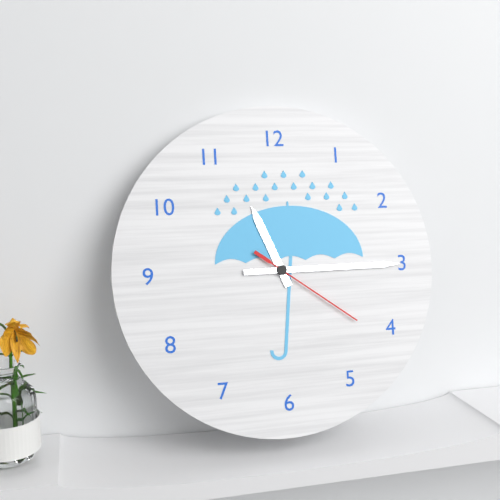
11:15:21
